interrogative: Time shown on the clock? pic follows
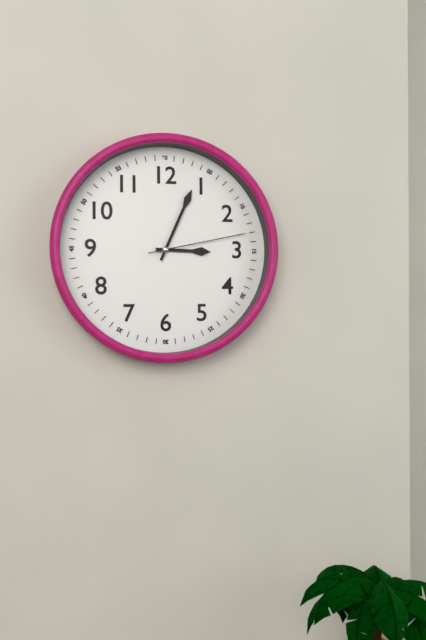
3:04:13
